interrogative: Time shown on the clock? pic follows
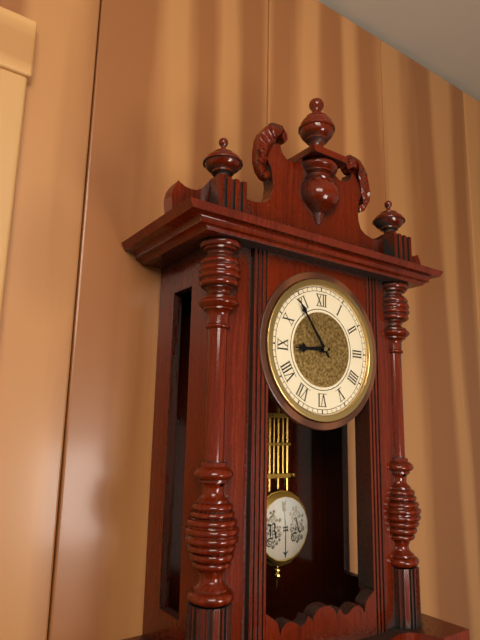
8:54
